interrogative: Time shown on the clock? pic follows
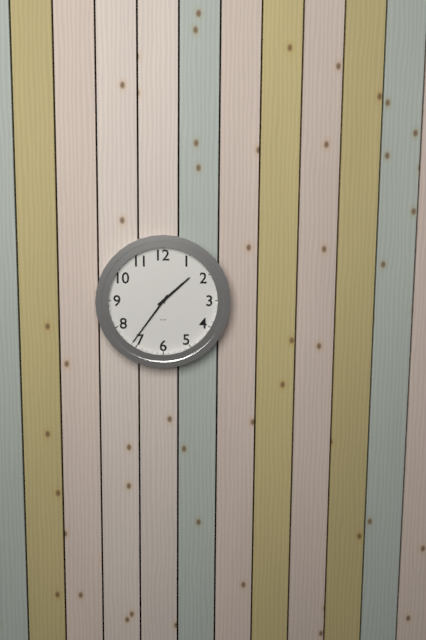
1:36
